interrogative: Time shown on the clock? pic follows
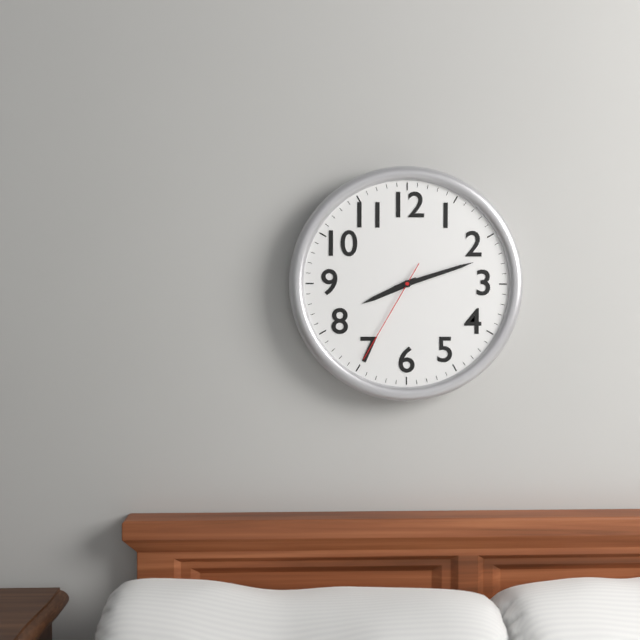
8:12:35
